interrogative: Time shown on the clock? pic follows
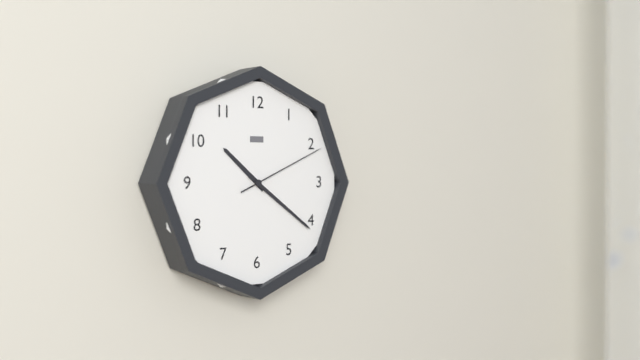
10:21:11
